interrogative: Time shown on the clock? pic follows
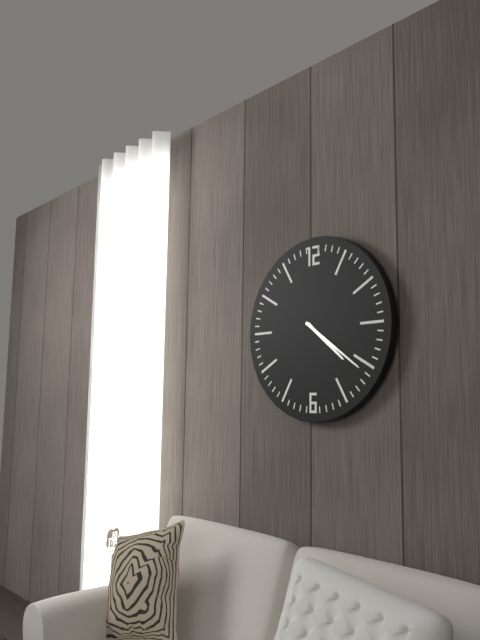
4:21
